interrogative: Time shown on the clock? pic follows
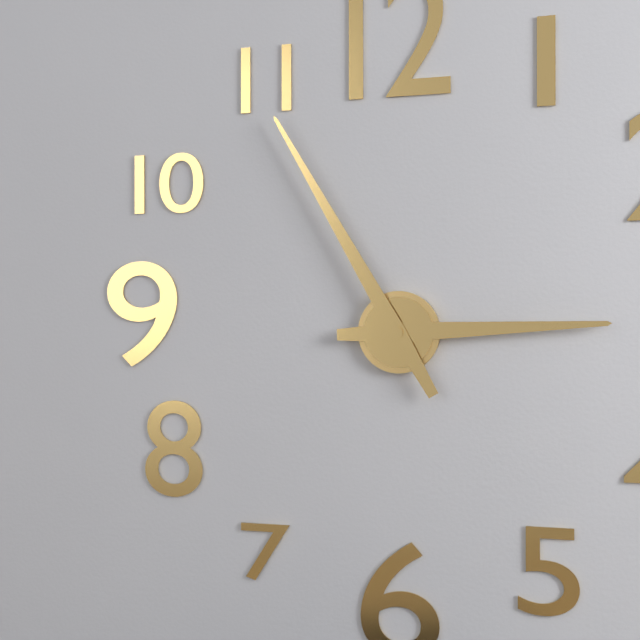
2:55
